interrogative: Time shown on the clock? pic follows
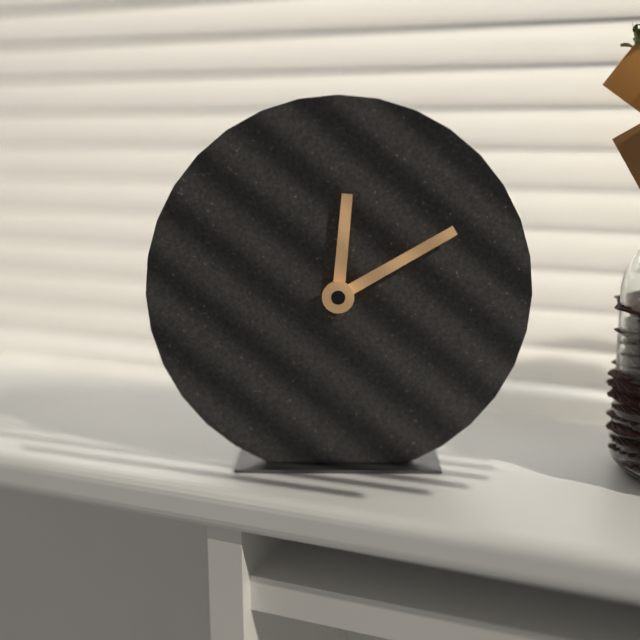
12:10
